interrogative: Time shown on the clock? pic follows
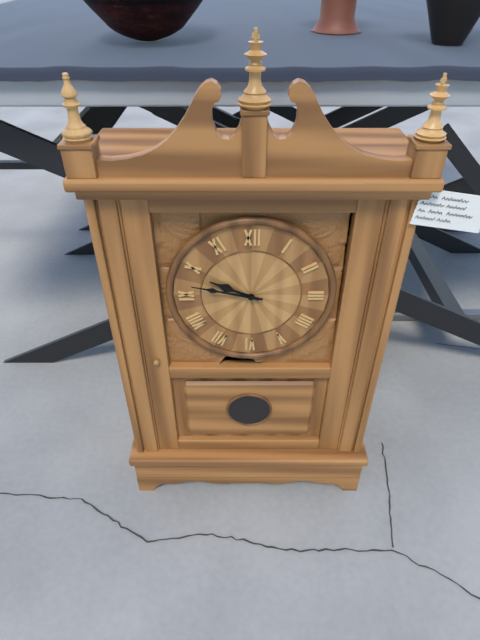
9:47
